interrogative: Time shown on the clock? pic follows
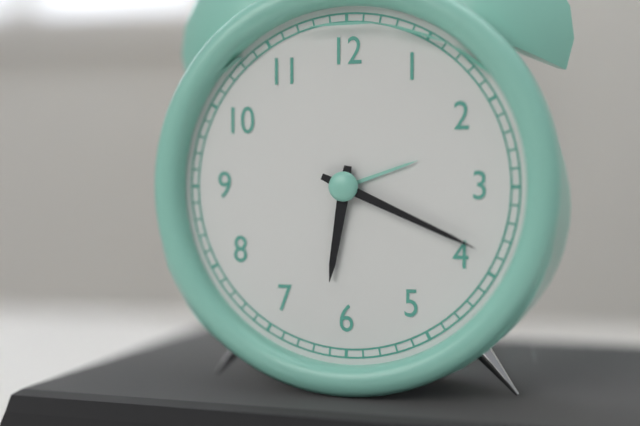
6:19
